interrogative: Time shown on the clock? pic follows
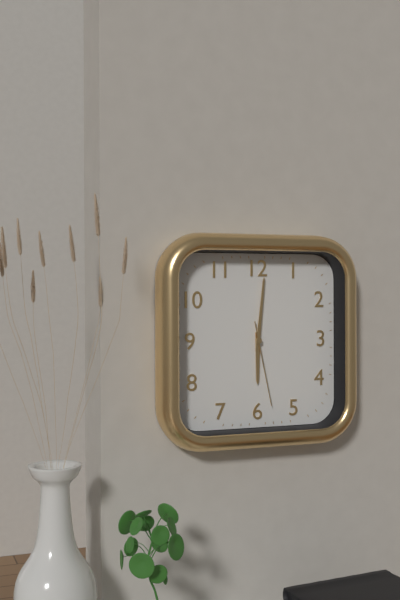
6:01:28
